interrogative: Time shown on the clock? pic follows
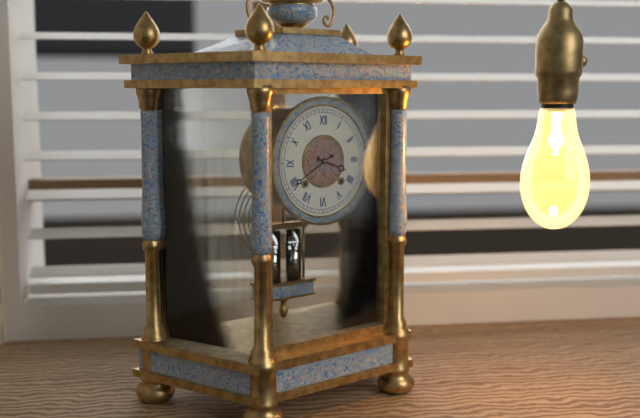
3:40
